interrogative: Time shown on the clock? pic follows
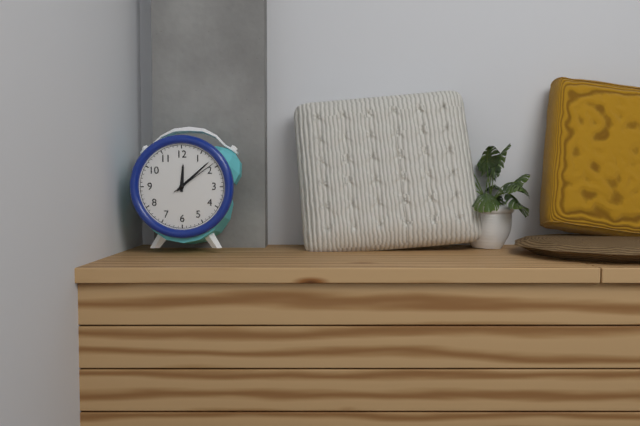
12:08
